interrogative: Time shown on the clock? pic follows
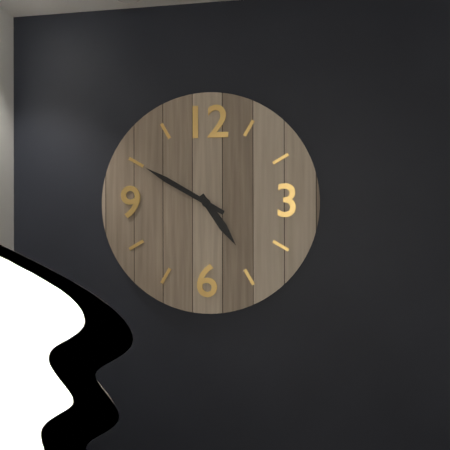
4:50
